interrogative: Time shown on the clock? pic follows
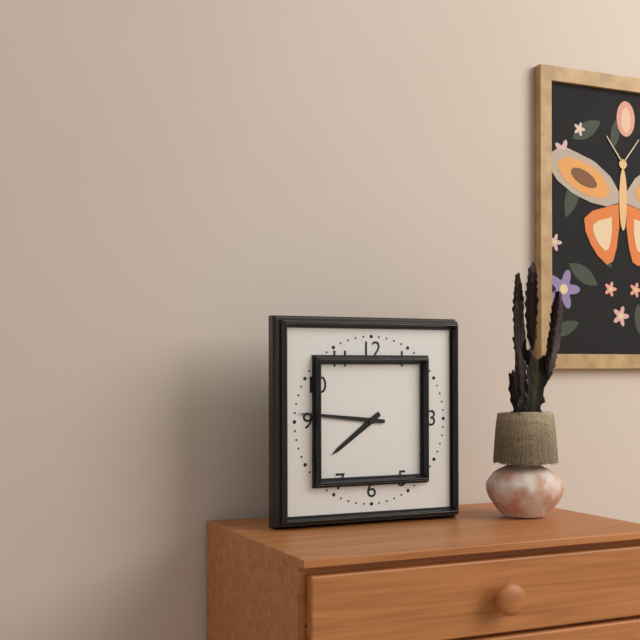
7:46
